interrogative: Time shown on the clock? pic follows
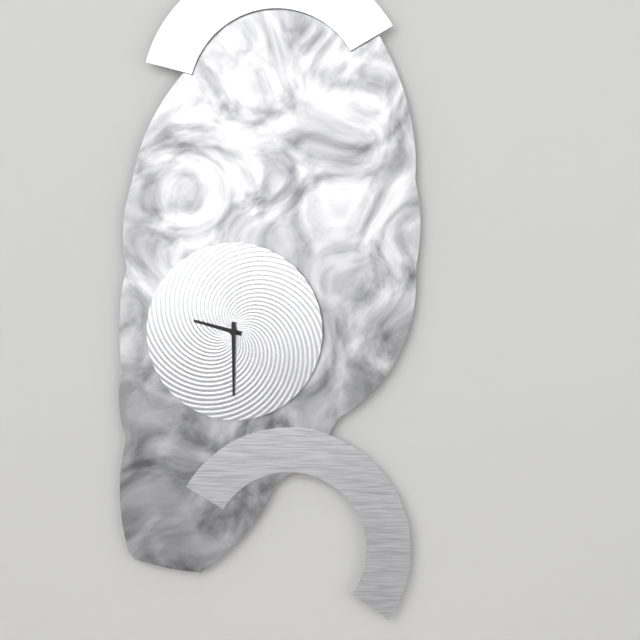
9:30
